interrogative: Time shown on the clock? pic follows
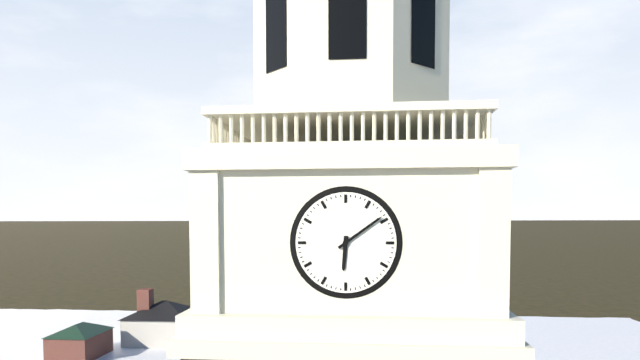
6:09
